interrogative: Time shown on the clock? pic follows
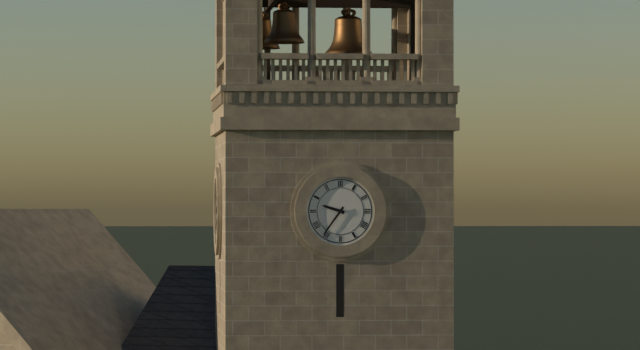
9:36
